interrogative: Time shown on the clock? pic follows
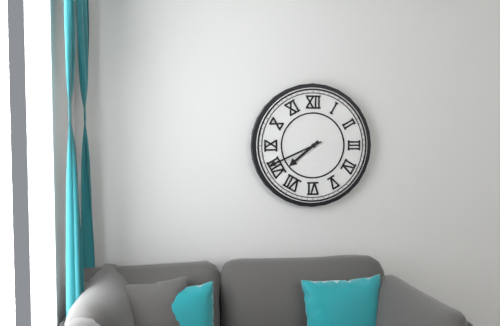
7:41
